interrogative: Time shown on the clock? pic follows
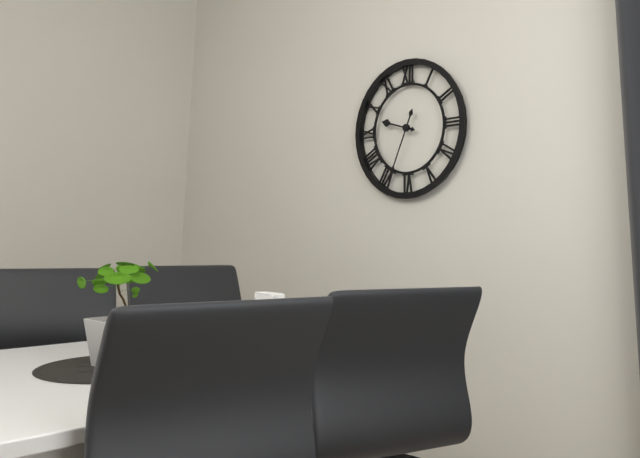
9:34
